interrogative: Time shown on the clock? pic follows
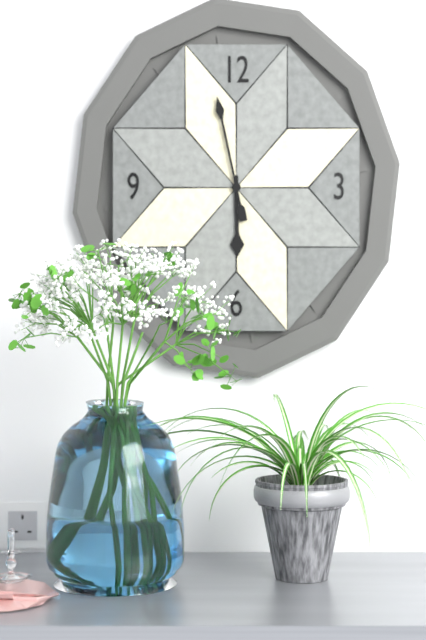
5:58
